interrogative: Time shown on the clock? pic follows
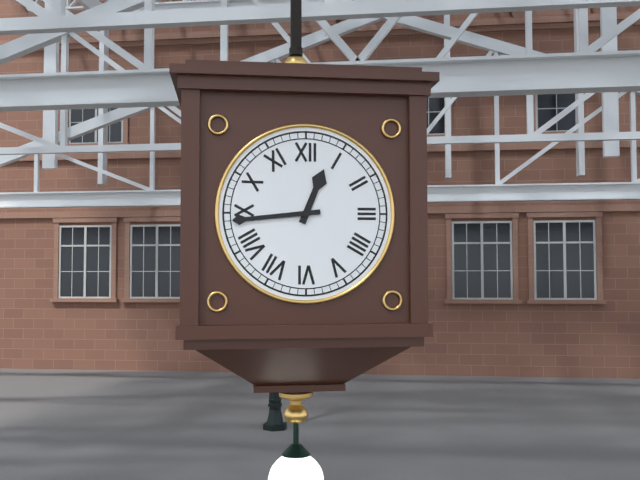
12:44
